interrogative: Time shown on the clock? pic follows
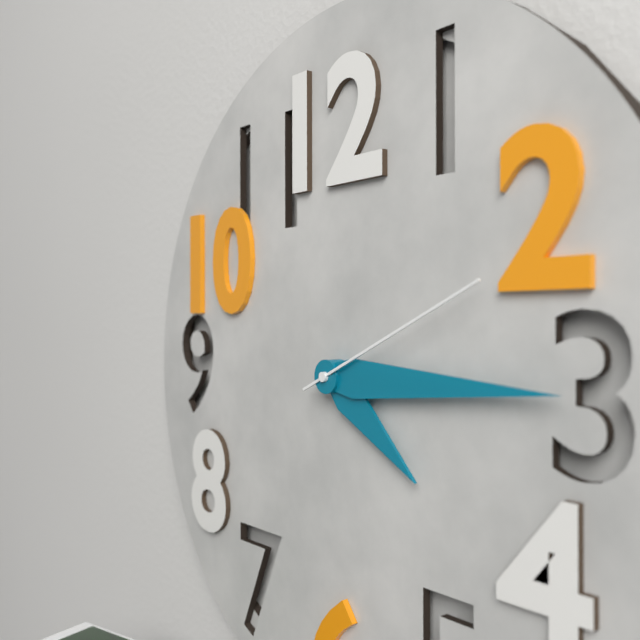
4:15:11
